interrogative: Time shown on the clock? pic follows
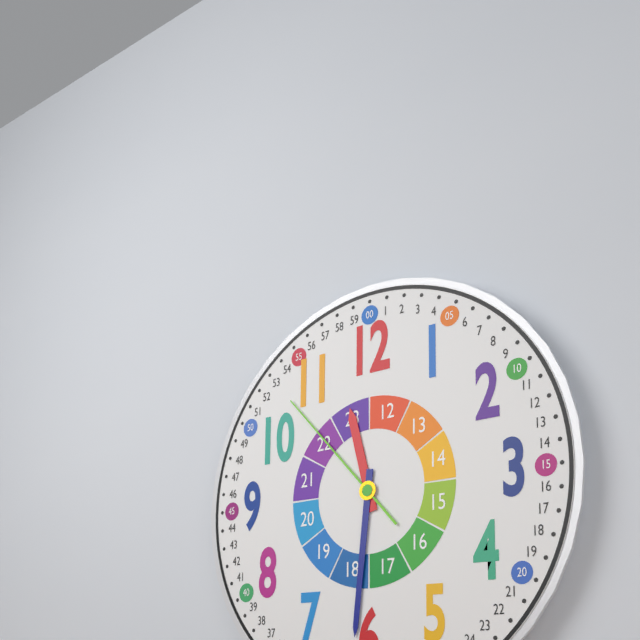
11:31:53
